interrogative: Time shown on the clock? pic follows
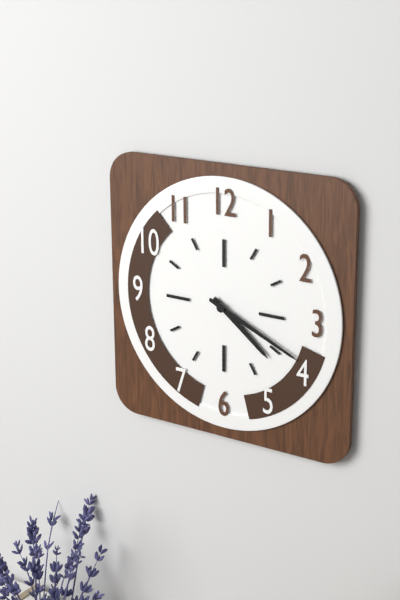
4:19
